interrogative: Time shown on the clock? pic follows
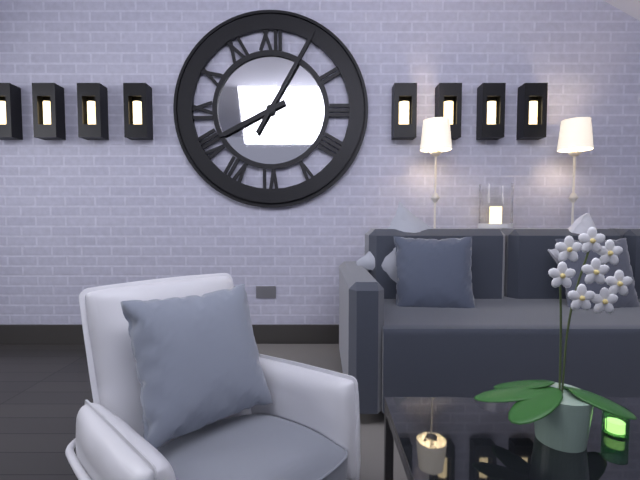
8:05
